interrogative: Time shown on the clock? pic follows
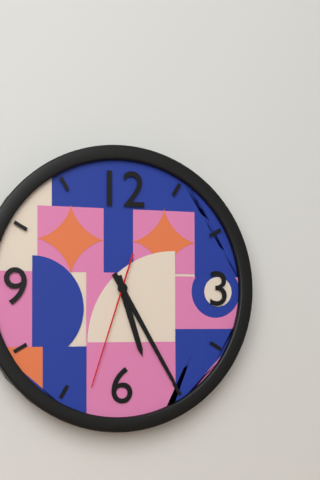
5:25:33
